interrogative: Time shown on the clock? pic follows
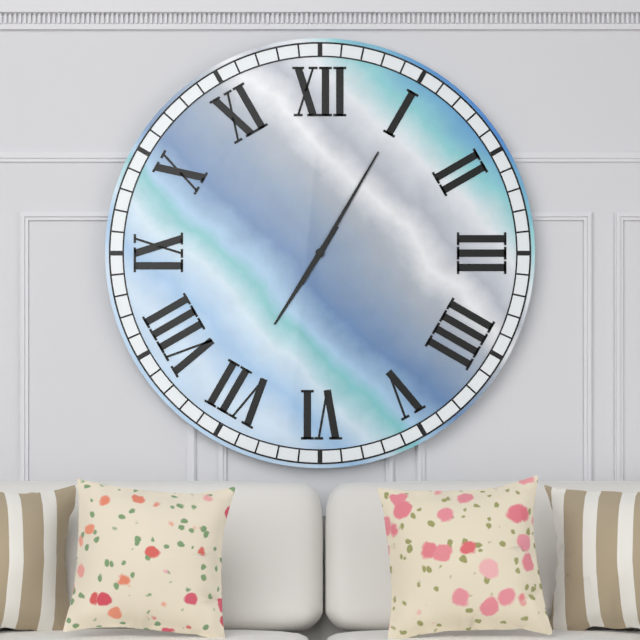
7:05
